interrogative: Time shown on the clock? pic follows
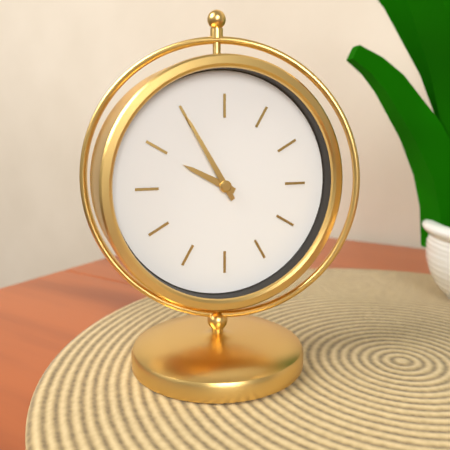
9:55
